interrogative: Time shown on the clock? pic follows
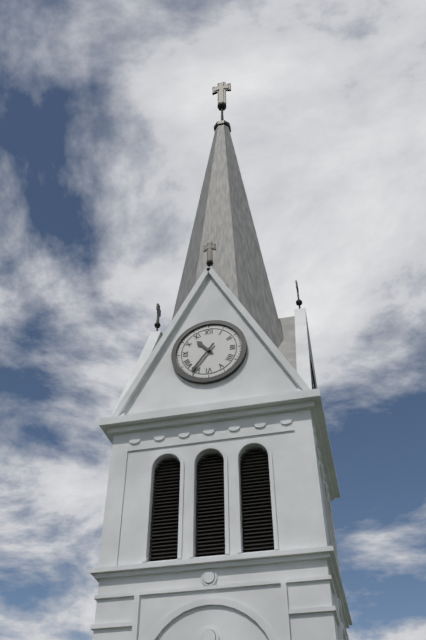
10:36
